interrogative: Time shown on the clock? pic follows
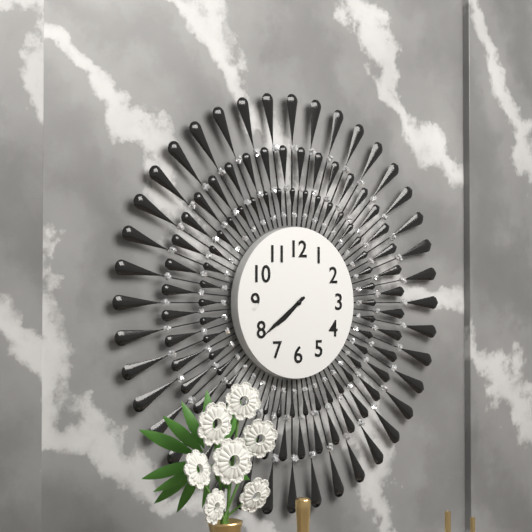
7:39
